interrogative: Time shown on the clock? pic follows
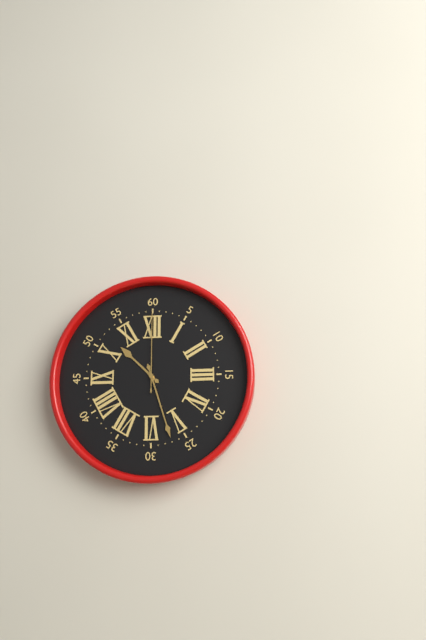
10:27:00
